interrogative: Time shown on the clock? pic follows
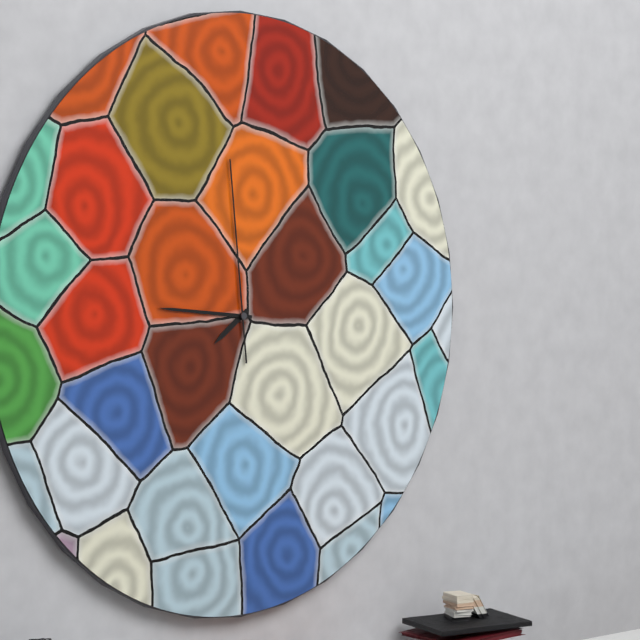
7:46:59
